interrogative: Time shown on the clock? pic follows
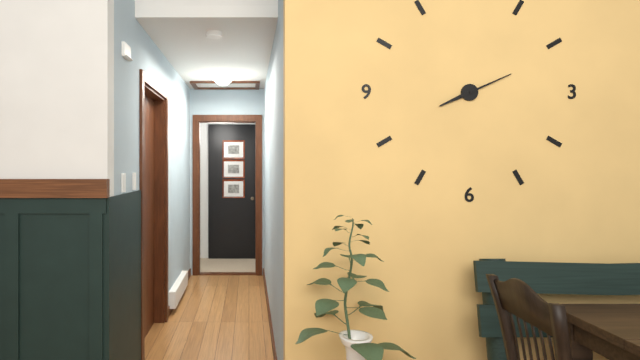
8:11
